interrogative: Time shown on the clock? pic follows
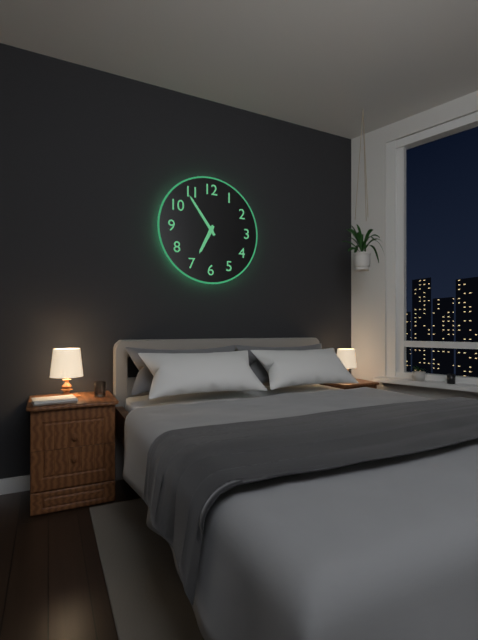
6:54
